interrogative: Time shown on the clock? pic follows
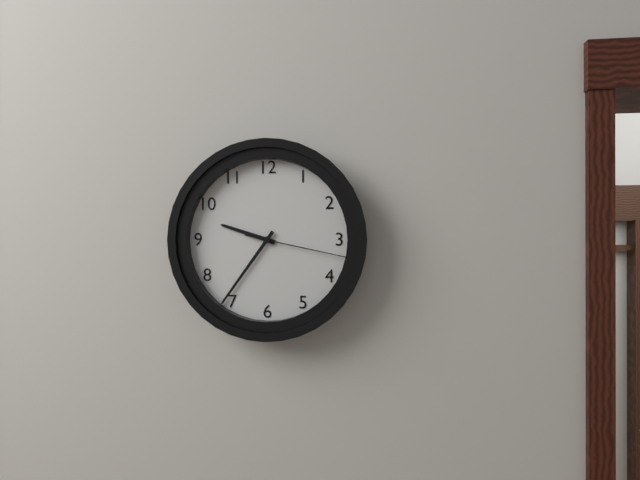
9:36:17
